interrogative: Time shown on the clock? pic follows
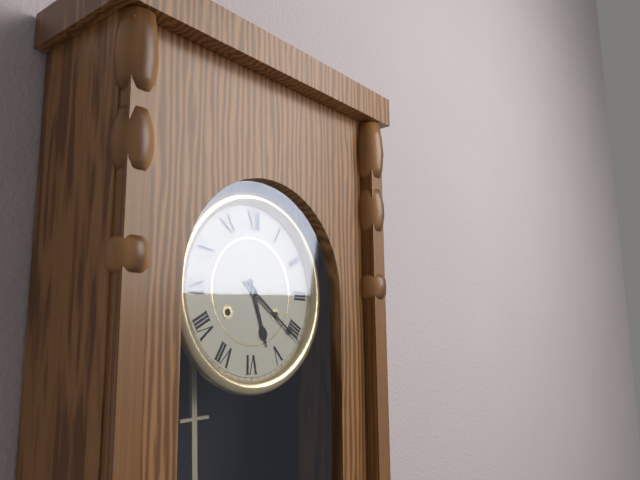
5:21
